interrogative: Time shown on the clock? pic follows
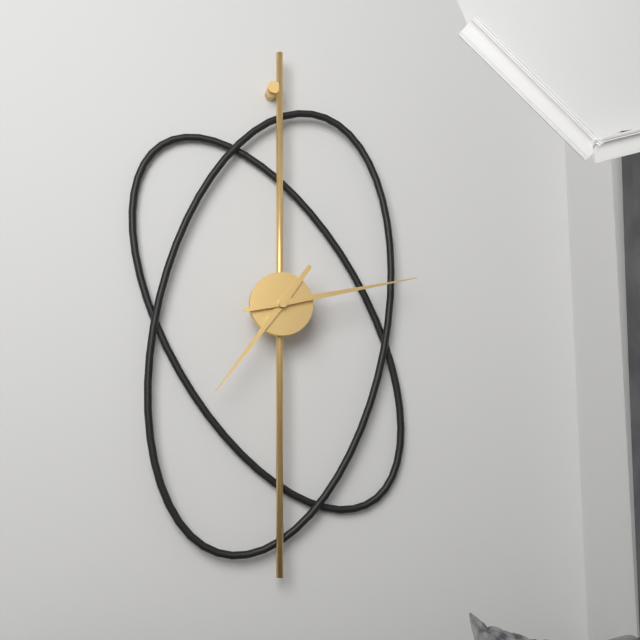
7:13
